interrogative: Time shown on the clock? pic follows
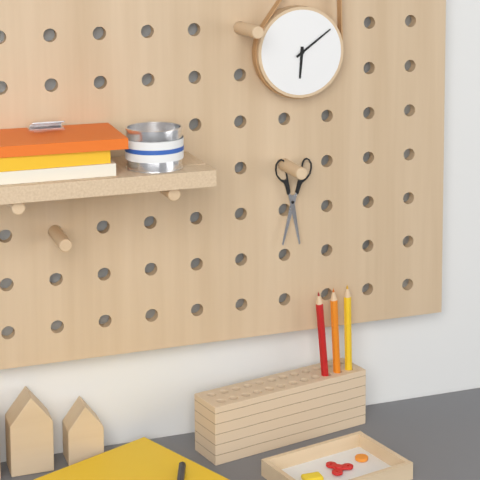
6:09
